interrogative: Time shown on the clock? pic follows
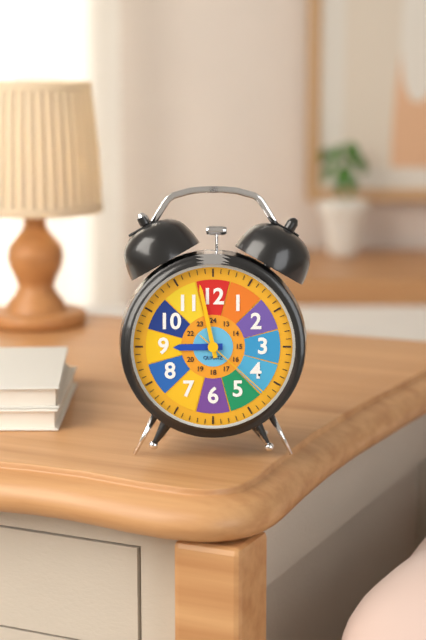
8:58:22
